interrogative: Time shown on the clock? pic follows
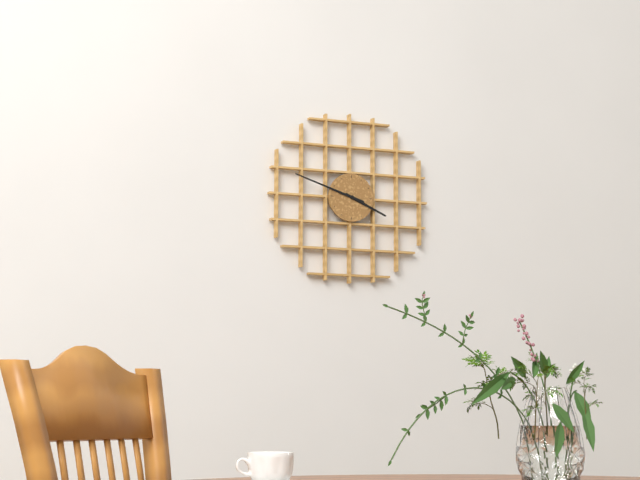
3:48
